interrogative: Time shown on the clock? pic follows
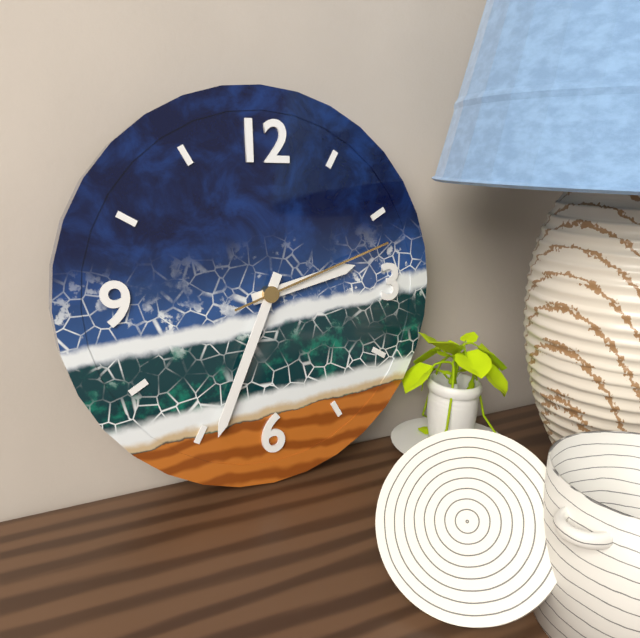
2:34:12
